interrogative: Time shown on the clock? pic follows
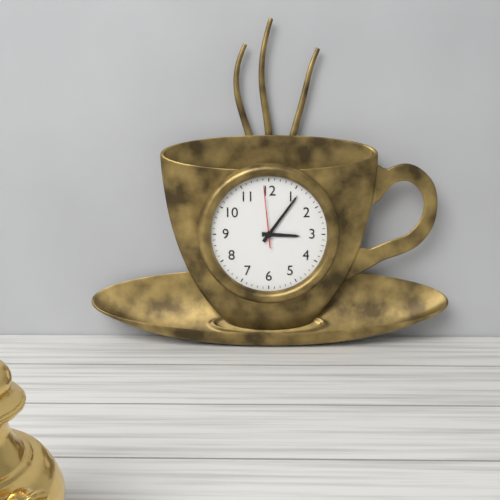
3:06:59
